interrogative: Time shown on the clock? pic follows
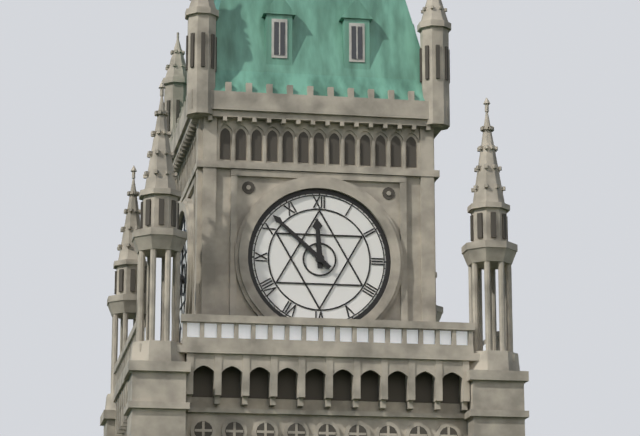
11:52
